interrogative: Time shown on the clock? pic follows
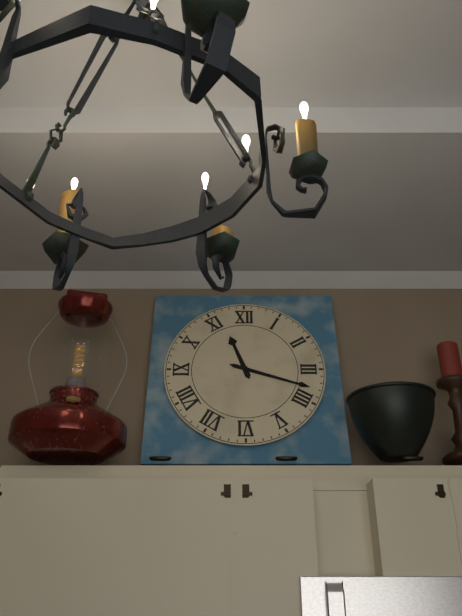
11:18
